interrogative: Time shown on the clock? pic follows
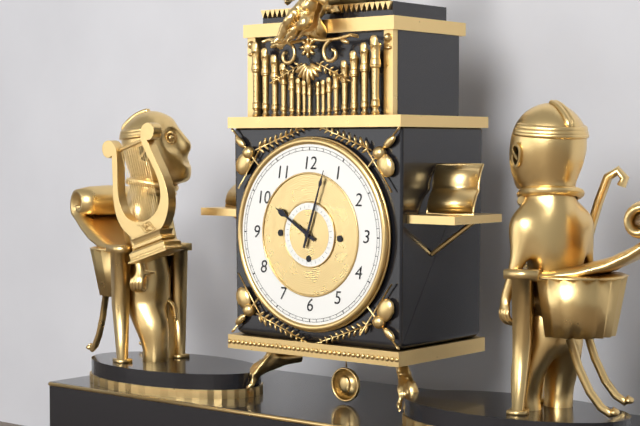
10:03
